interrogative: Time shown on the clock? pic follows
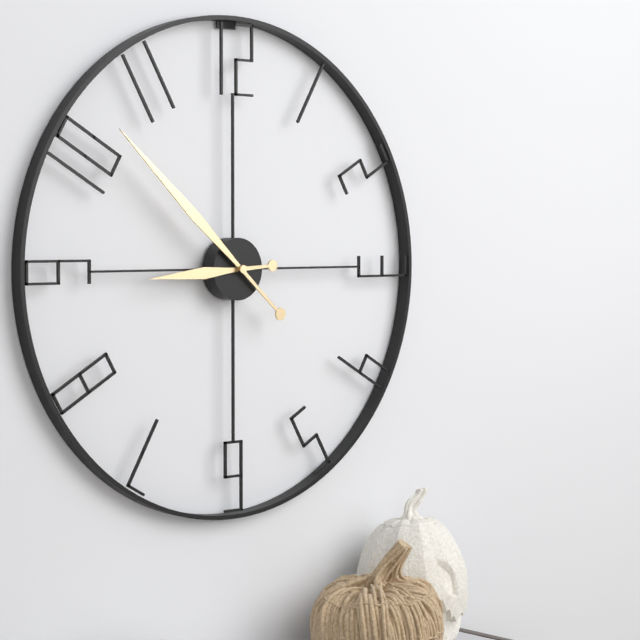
8:52
